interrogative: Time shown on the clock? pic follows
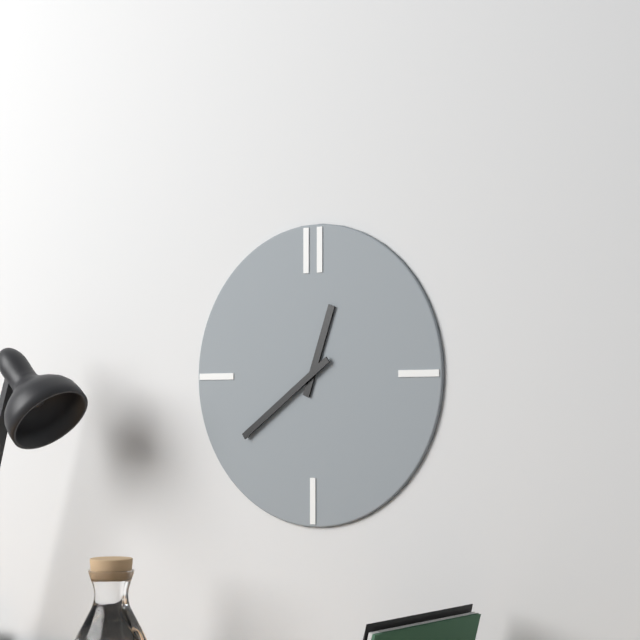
12:39
